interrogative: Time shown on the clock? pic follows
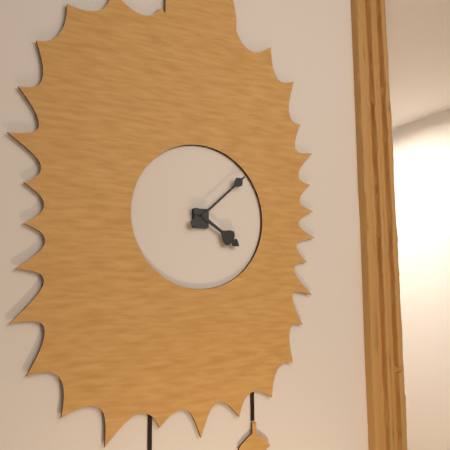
4:08
